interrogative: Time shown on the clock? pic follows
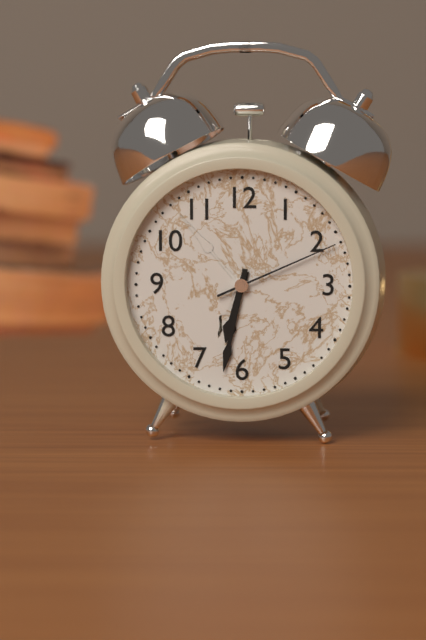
6:32:11
